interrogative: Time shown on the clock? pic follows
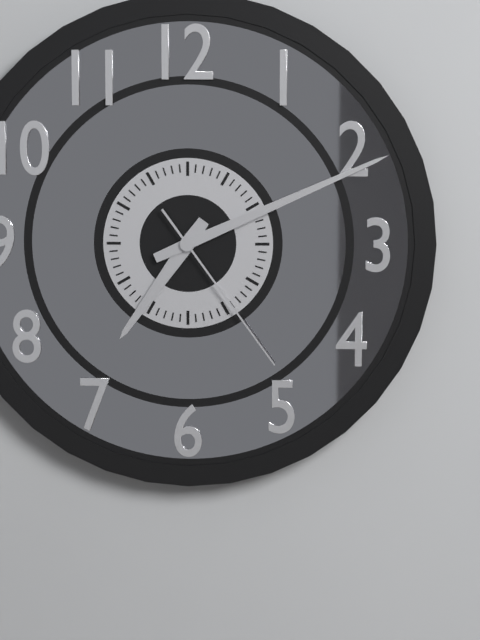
7:11:24
